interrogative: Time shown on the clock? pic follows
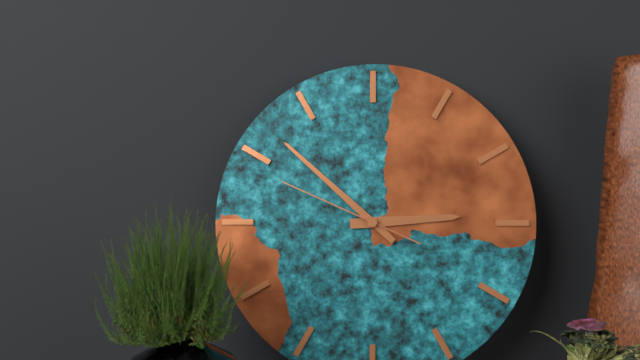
2:52:49
